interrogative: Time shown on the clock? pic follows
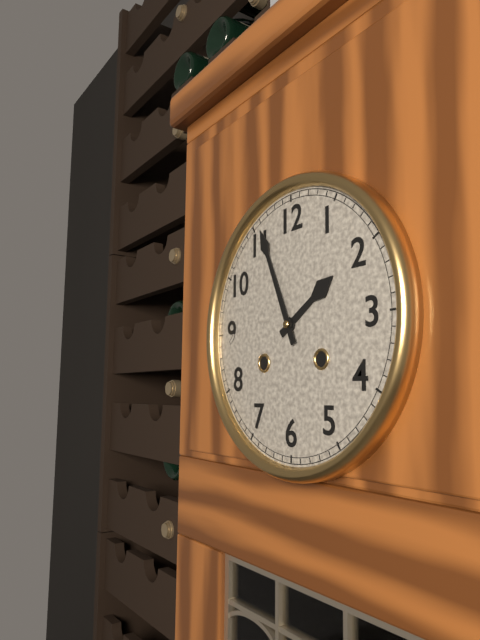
1:56
